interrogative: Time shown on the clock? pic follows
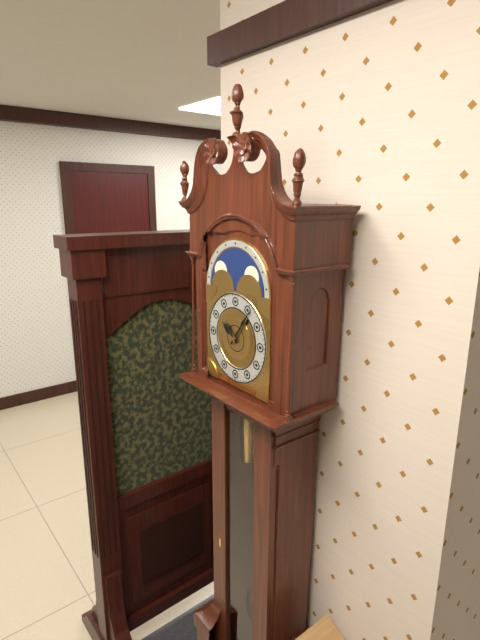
10:06
